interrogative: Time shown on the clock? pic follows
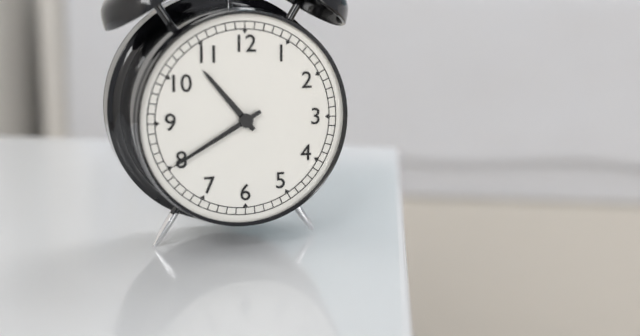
10:40
